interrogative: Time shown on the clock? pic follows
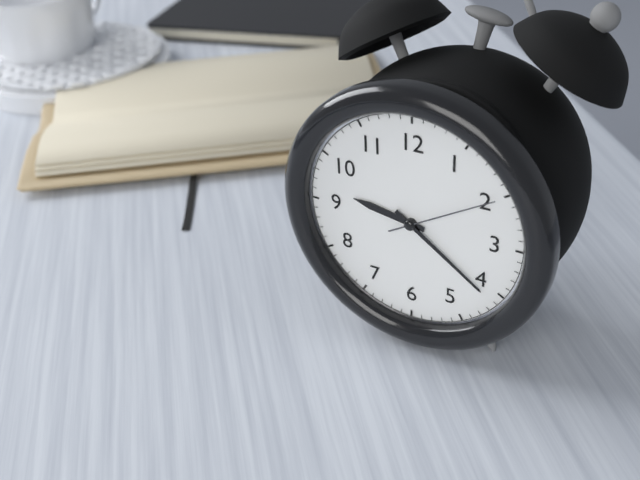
9:21:10
